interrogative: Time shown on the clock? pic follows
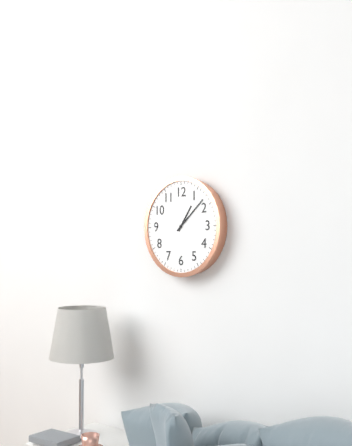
1:08
